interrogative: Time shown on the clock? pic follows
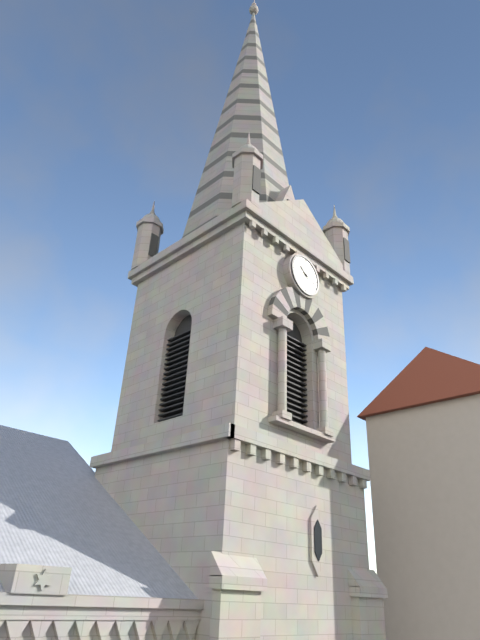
10:19
